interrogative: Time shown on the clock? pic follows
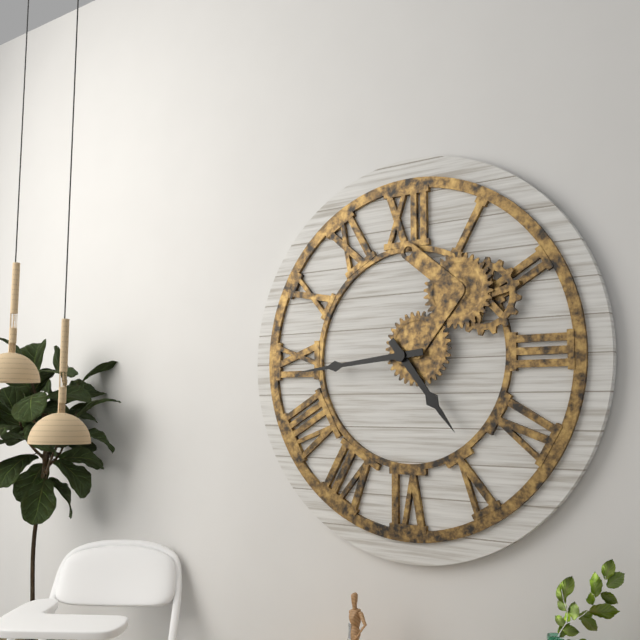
4:44
